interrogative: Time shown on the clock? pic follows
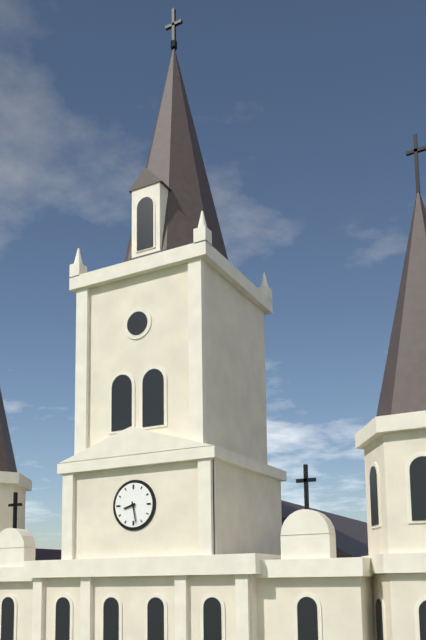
8:28
